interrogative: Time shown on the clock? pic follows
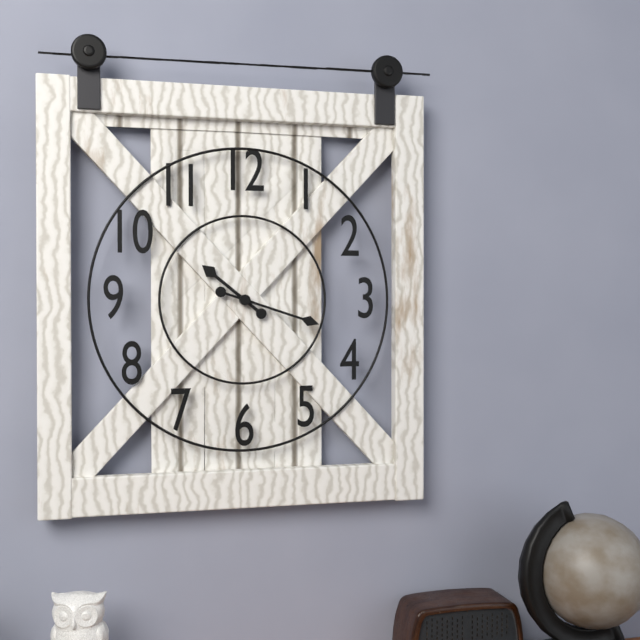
10:18
